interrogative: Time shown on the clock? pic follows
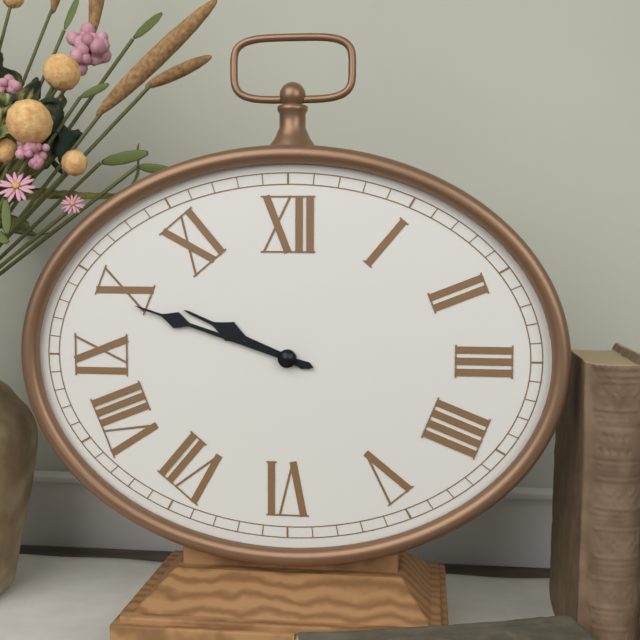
9:48
